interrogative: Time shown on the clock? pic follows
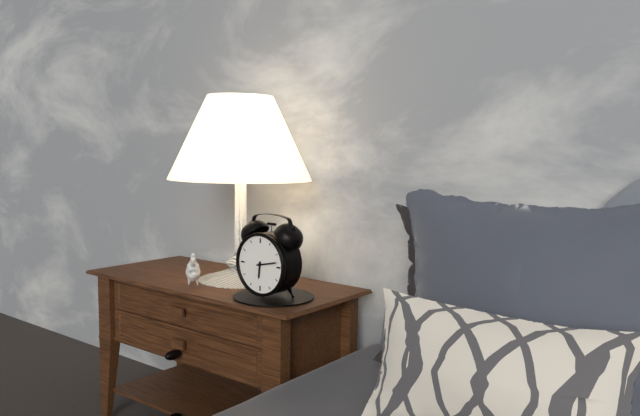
6:13
